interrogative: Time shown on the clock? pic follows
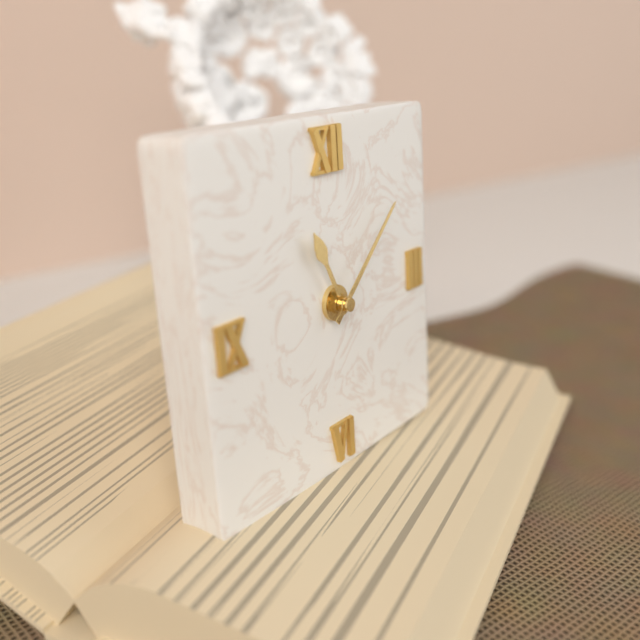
11:08
